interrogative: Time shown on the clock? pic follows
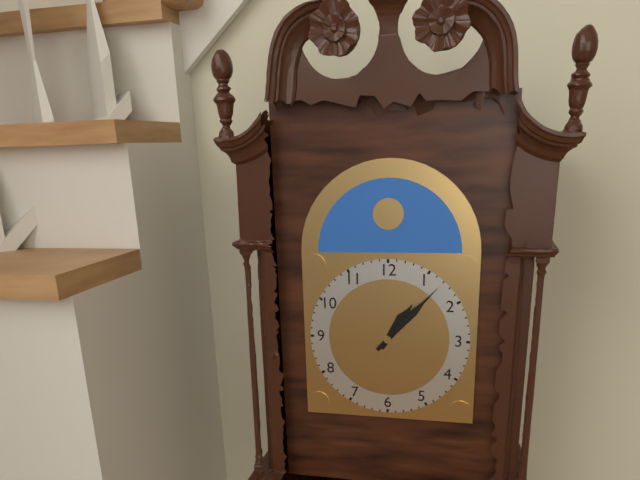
1:07
